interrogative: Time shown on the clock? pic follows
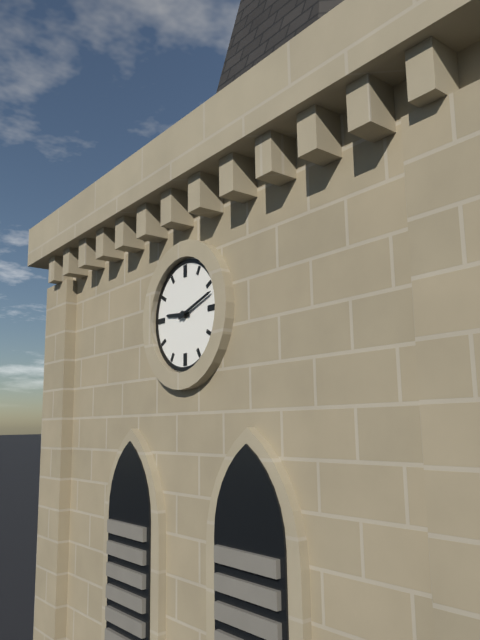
9:12
